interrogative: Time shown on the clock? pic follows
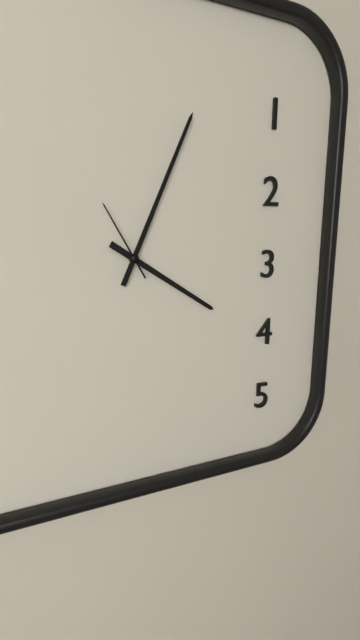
4:04:55
